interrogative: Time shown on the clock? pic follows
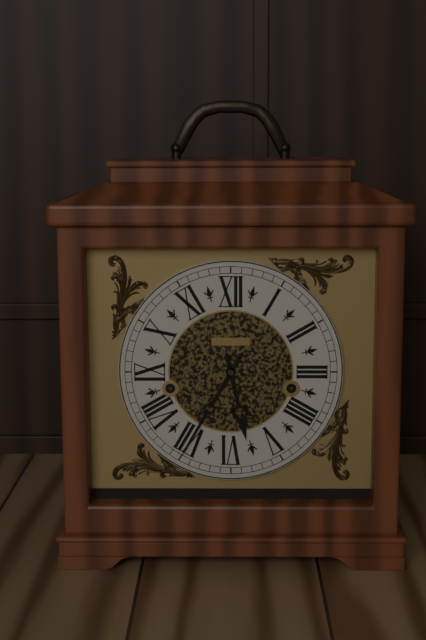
5:35
